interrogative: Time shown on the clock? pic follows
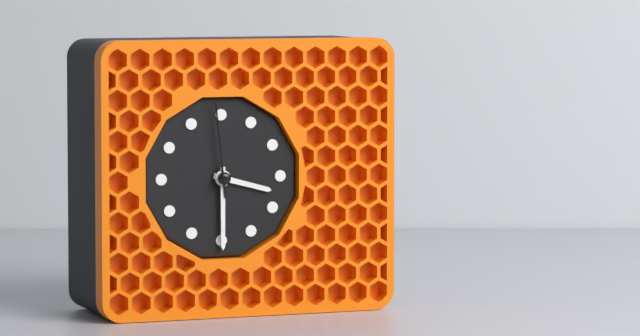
3:30:59
